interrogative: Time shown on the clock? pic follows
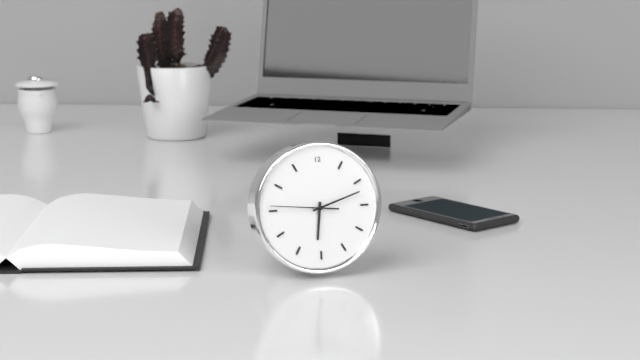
6:12:46
